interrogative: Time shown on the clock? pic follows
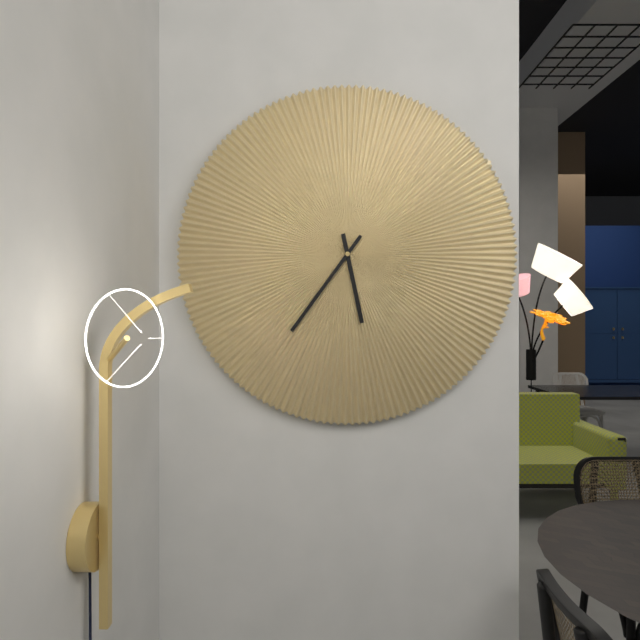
5:36
